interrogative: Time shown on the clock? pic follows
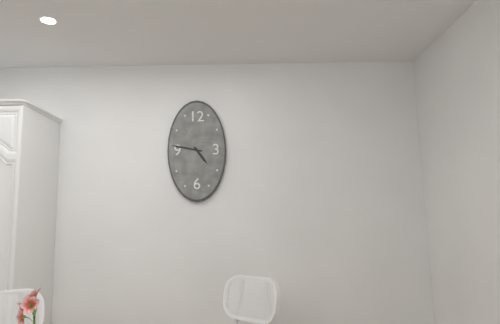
4:47
